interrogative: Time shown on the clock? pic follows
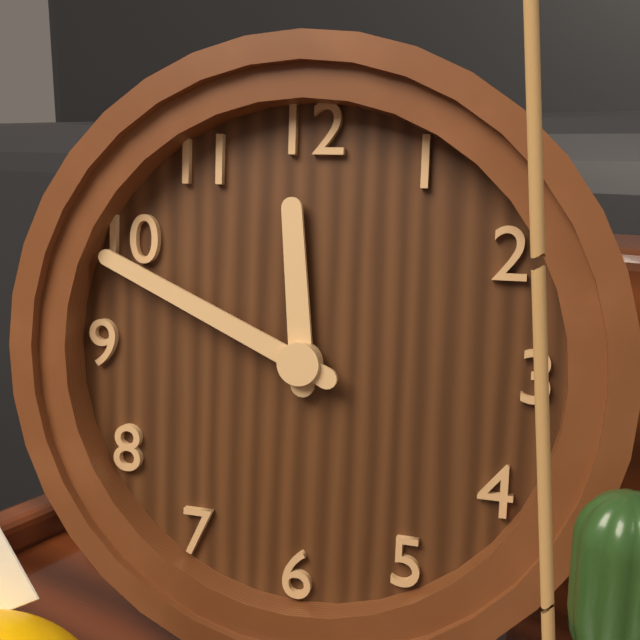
11:49
